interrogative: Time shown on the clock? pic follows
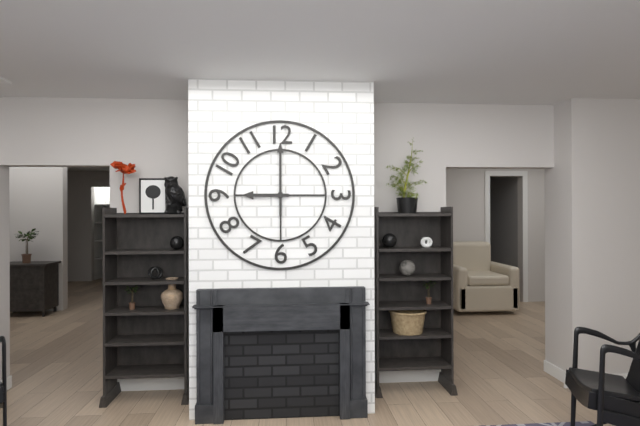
9:00
